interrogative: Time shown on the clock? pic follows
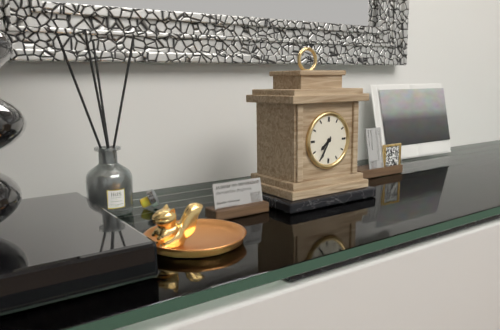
7:35
